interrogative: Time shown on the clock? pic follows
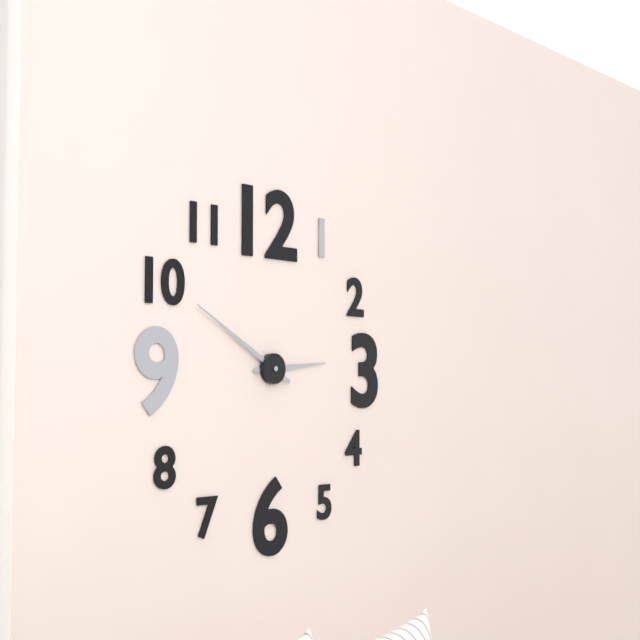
2:50
